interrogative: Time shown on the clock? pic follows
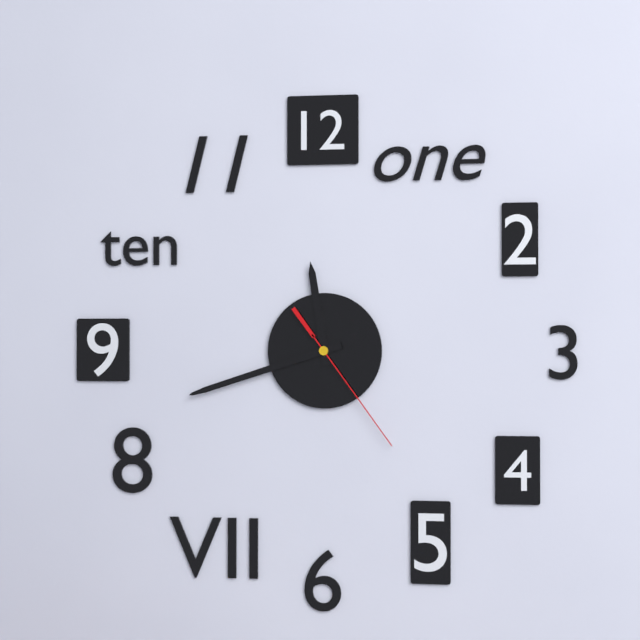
11:42:24
